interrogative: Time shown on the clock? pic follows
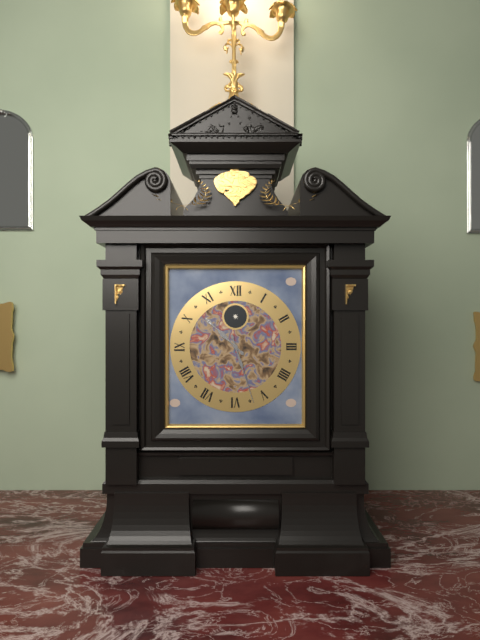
10:27
